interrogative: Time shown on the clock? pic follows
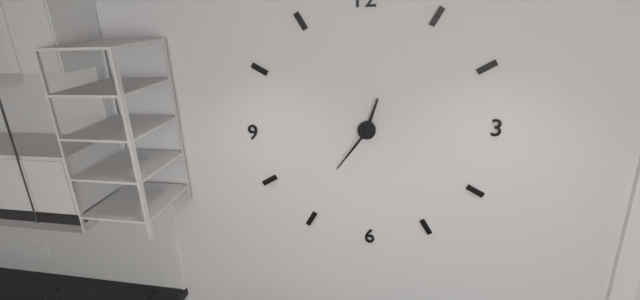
12:36
